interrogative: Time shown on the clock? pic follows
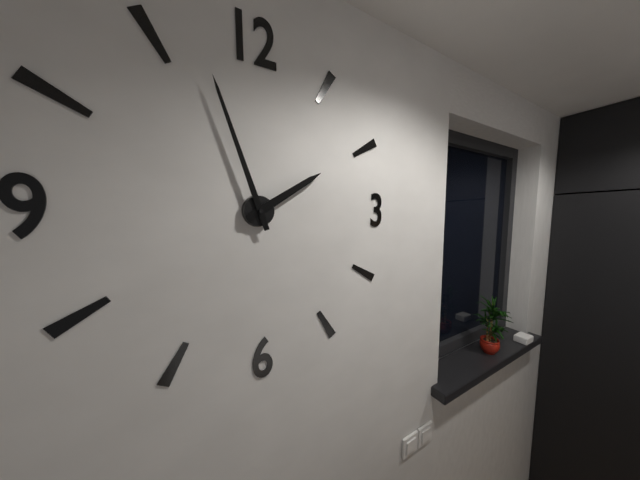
1:57
